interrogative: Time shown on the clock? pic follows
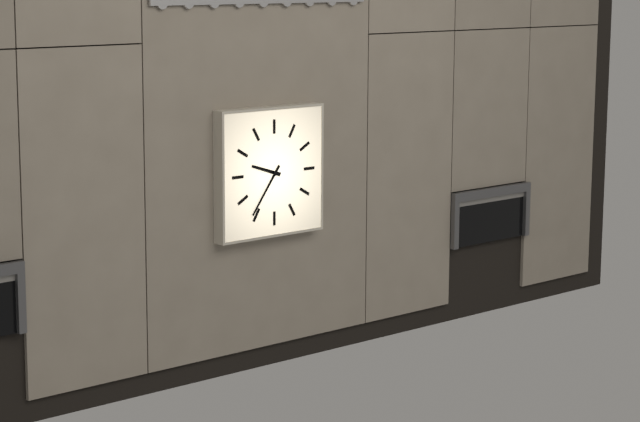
9:36
